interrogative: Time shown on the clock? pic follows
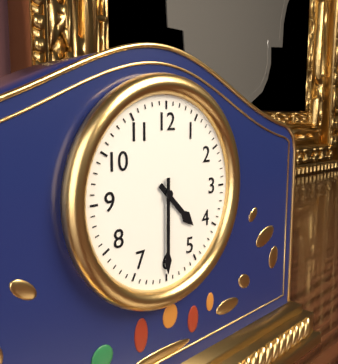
4:30
